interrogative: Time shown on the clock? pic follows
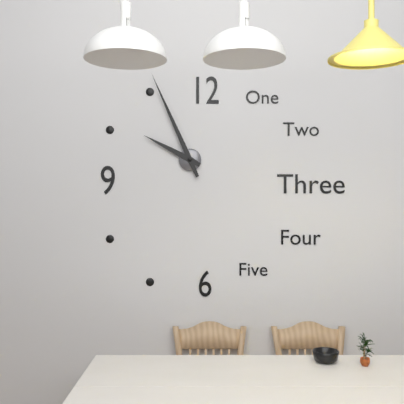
9:56
